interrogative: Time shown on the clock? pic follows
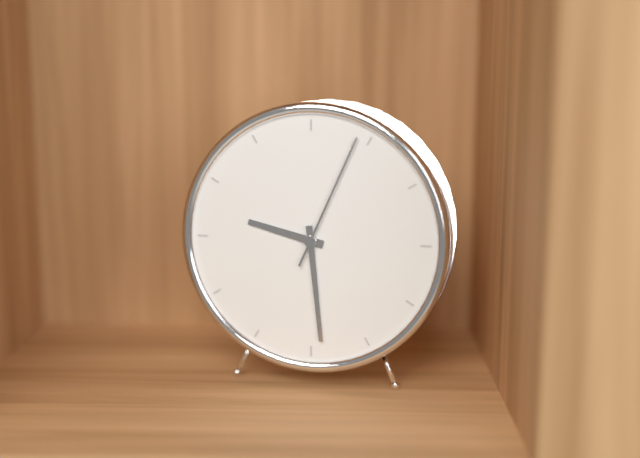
9:29:04
